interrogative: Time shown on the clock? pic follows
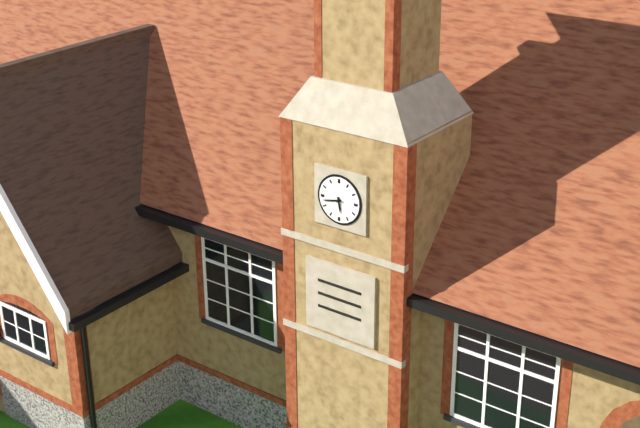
5:43
